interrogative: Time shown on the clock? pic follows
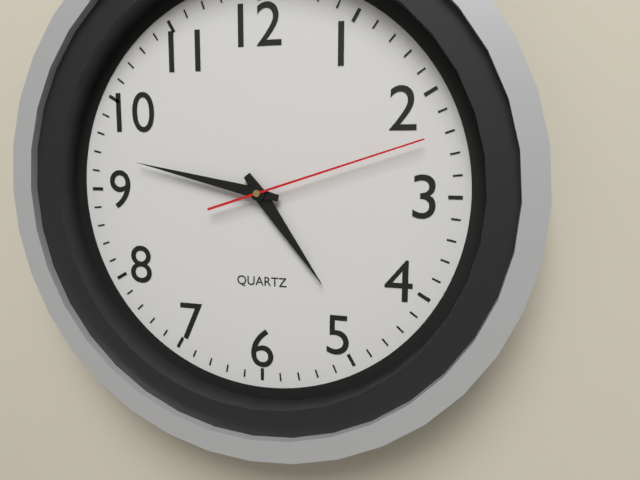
4:47:12
